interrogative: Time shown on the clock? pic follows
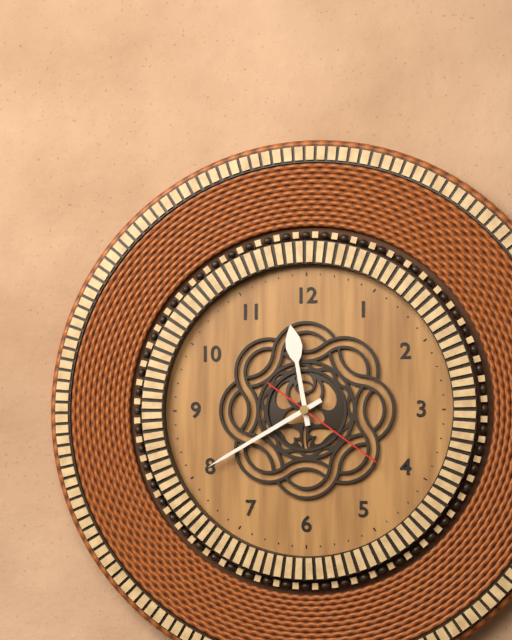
11:40:21
